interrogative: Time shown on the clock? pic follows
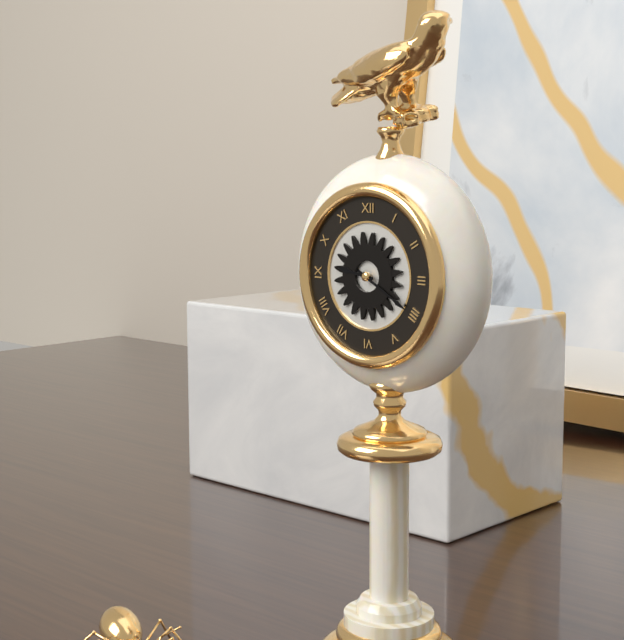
9:20
